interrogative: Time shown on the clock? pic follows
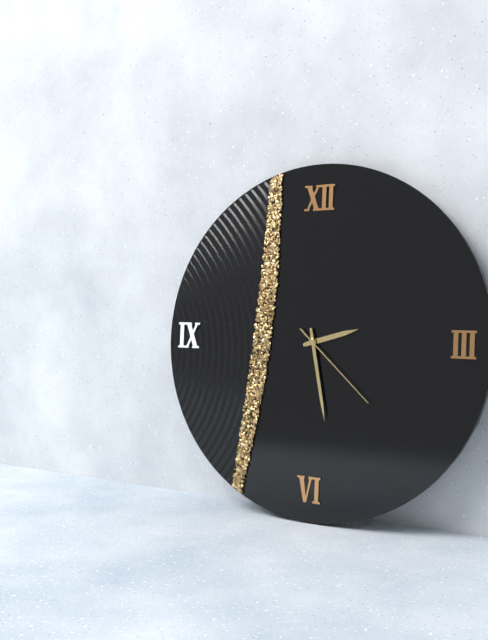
2:28:22
